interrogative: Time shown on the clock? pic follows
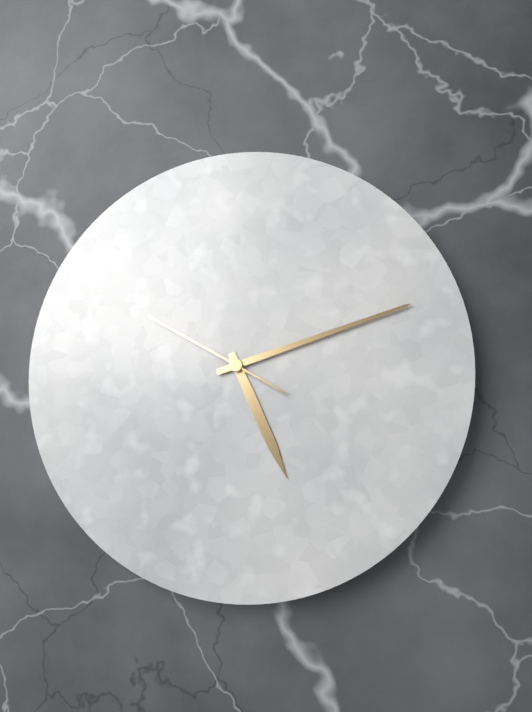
5:12:50
